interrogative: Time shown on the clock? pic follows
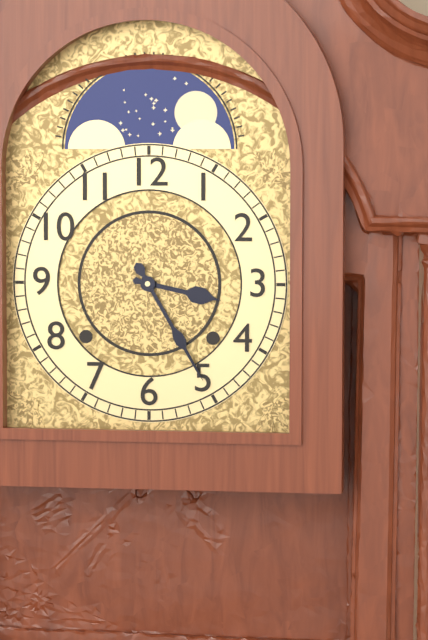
3:25
